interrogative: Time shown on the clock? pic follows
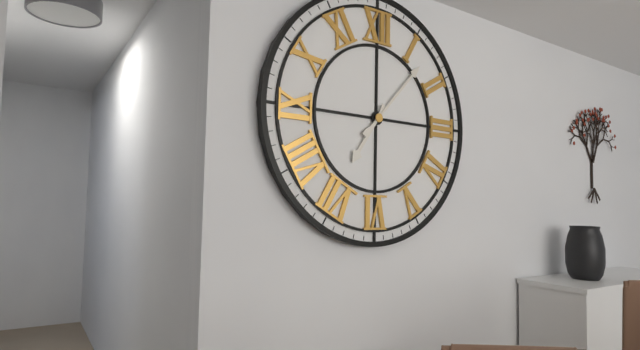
7:07
